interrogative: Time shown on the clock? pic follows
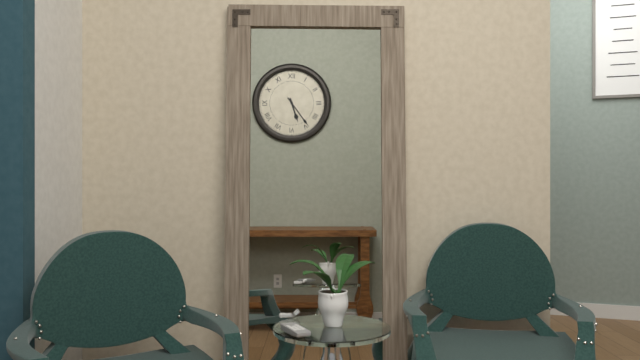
5:24
